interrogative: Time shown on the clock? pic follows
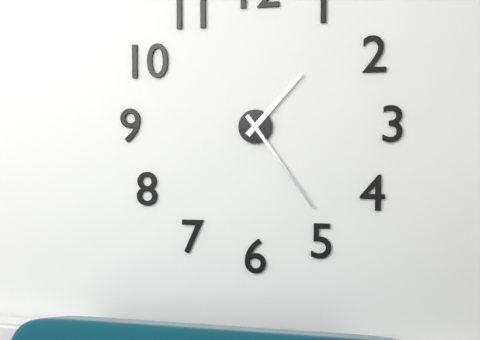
1:24
